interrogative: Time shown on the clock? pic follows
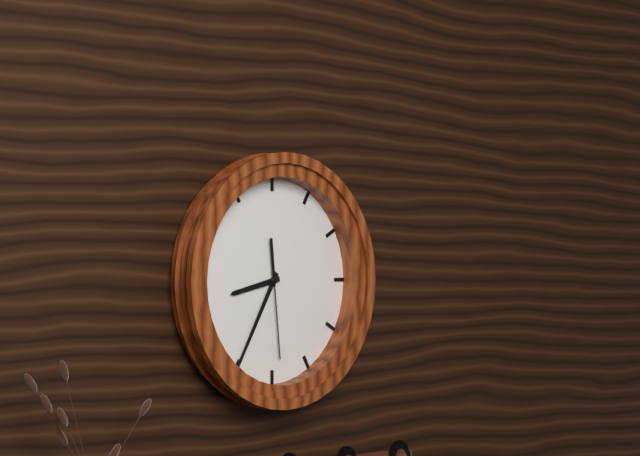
8:35:29
